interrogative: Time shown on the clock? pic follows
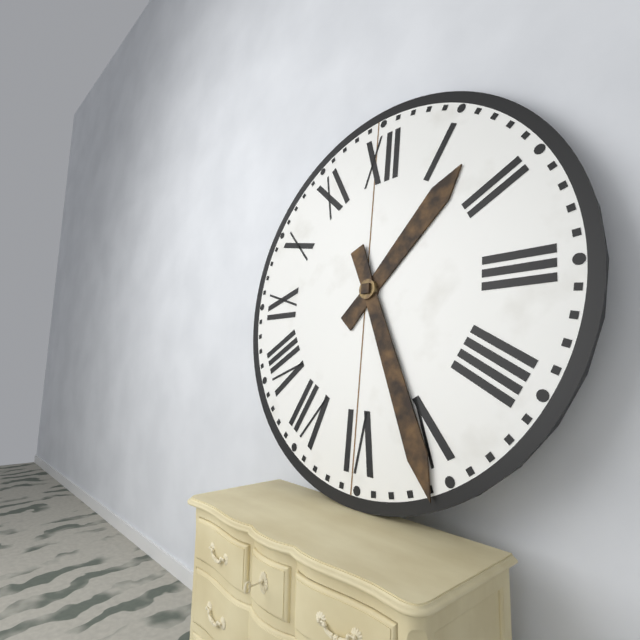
1:26
